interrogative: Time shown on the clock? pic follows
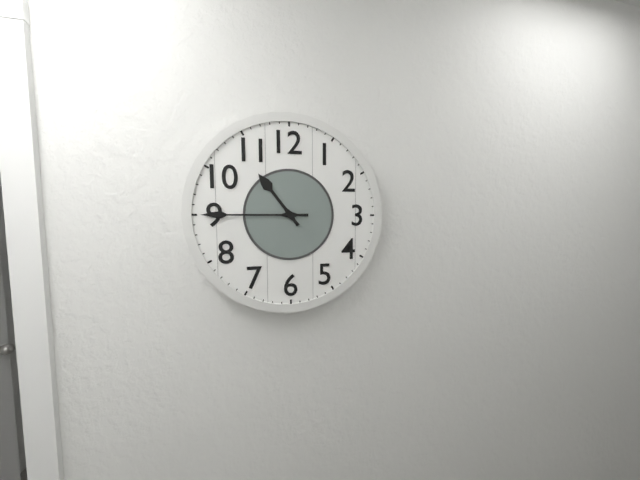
10:45
